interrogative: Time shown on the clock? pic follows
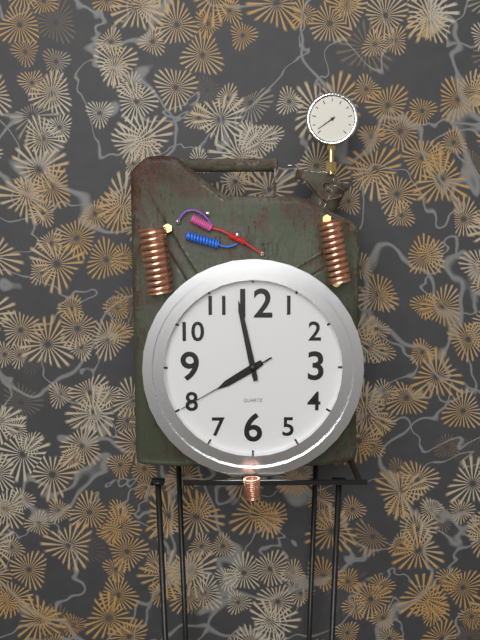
7:58:40
